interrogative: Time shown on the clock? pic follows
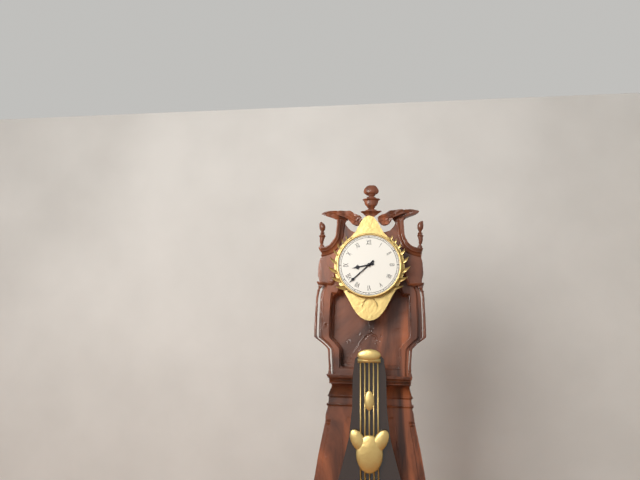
8:38
